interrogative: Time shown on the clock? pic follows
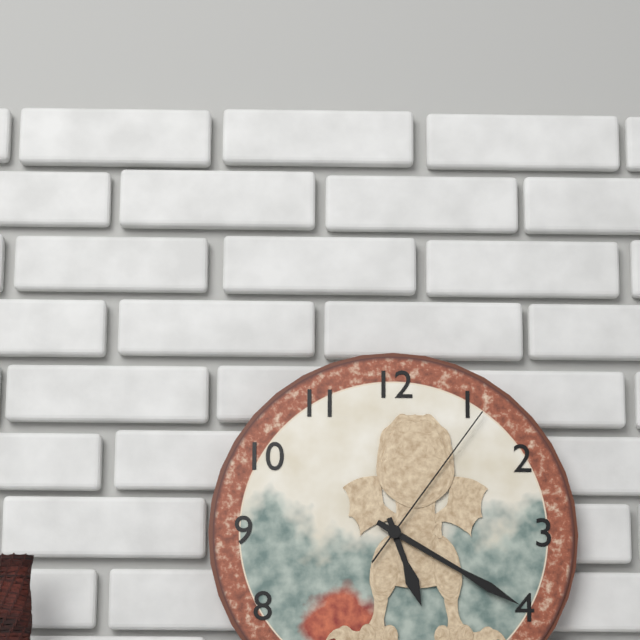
5:20:06
